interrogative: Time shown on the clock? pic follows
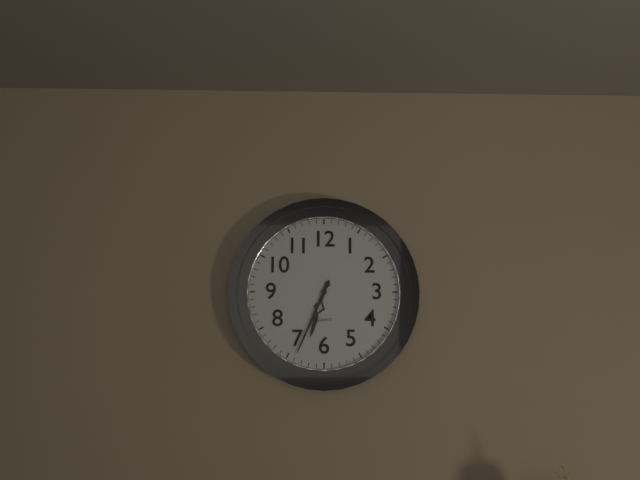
6:34
